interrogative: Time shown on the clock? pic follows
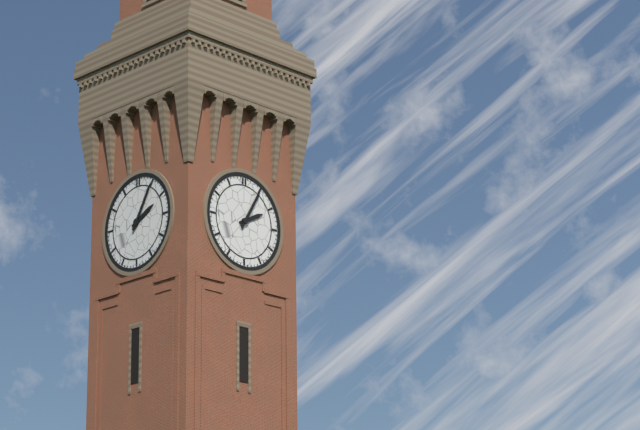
2:05
